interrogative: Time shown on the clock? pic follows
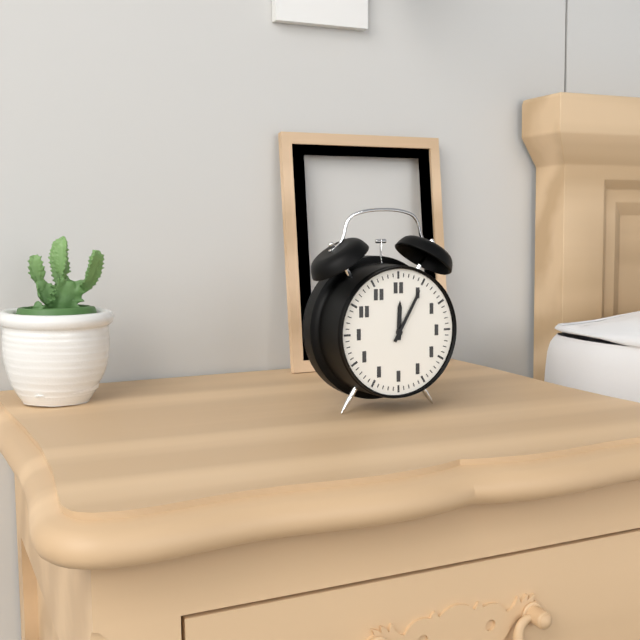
12:05
